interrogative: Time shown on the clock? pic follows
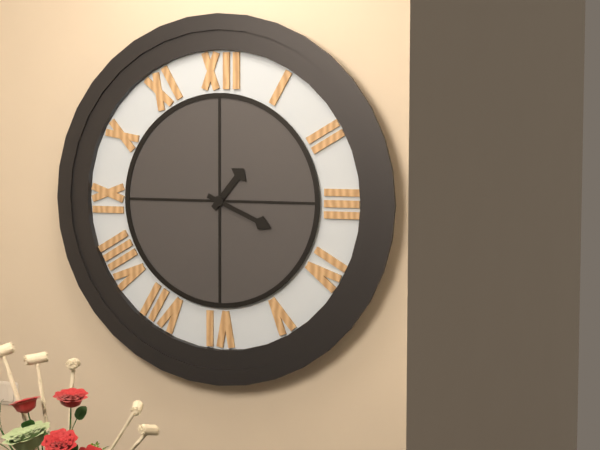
1:19
